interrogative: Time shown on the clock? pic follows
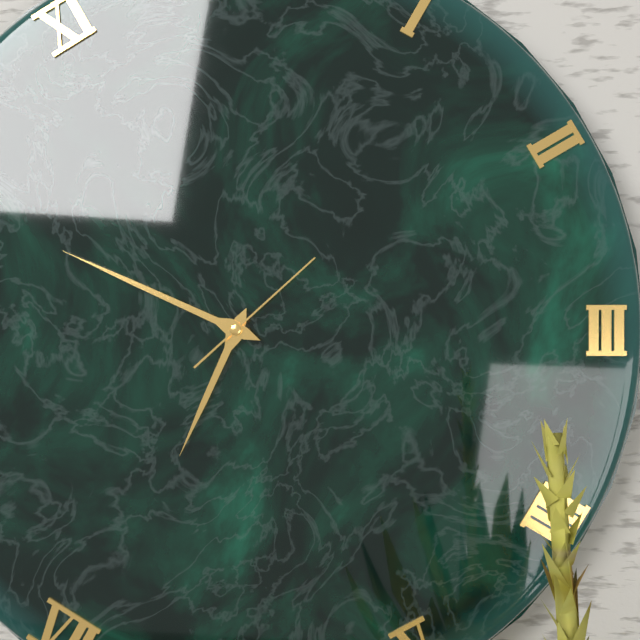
6:49:08
